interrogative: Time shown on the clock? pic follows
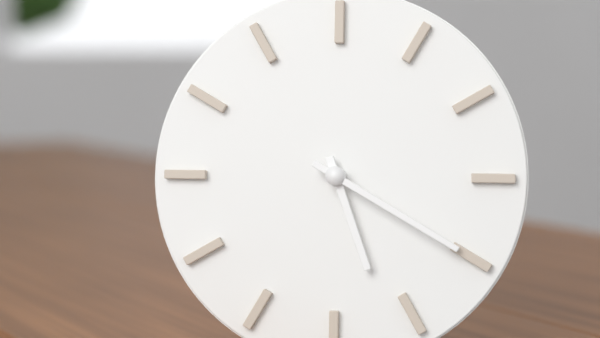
5:20
